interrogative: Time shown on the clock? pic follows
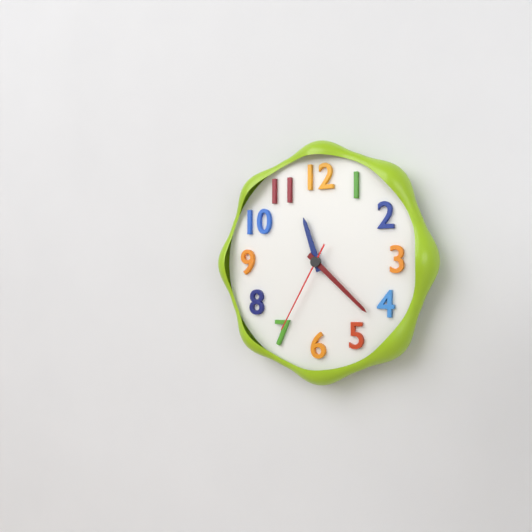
11:22:35
